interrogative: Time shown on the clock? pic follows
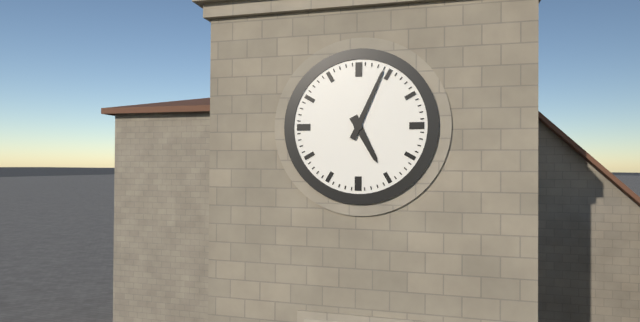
5:04
